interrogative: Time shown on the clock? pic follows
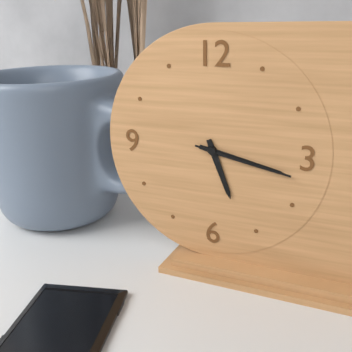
5:17:17
